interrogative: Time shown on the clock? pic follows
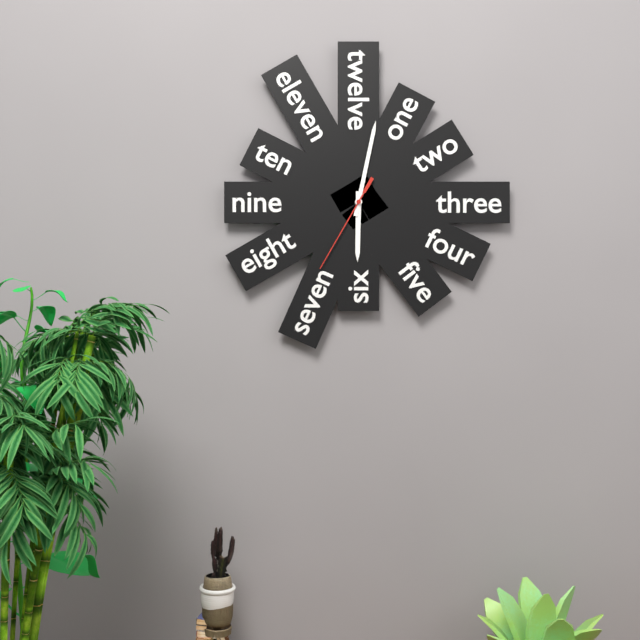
6:02:35
